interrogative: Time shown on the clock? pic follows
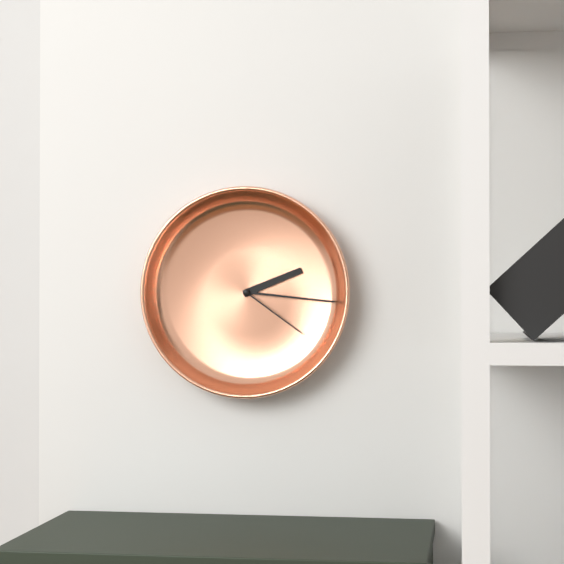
2:16:21
